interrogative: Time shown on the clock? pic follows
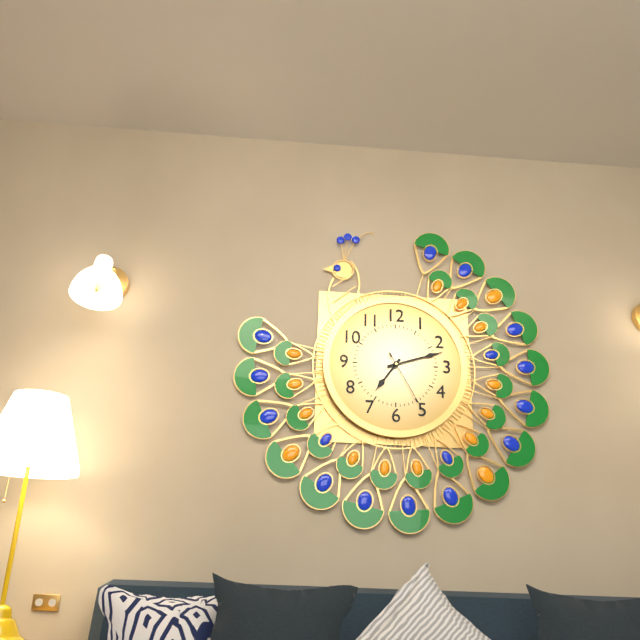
7:12:25
